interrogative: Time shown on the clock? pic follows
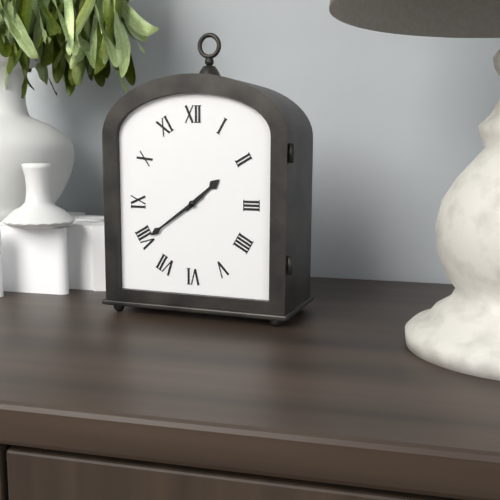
1:39
